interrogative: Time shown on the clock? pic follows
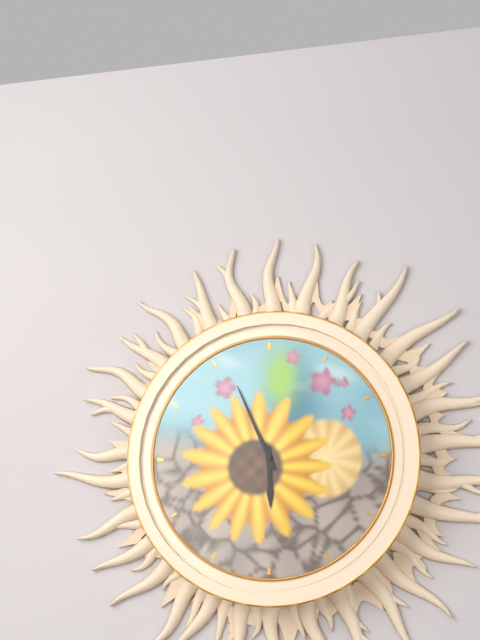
5:56
